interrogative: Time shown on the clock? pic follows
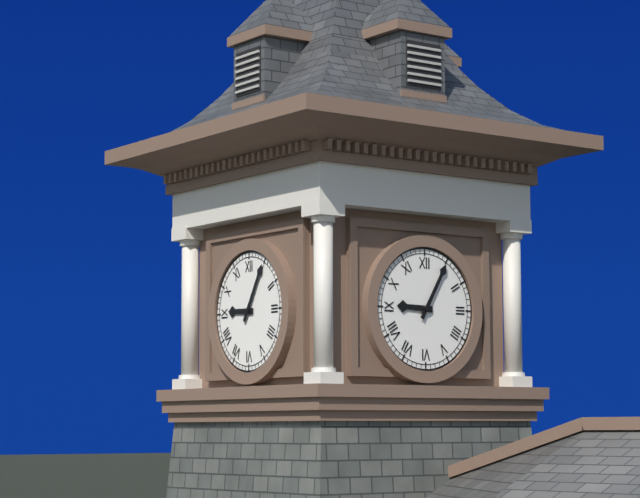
9:05
